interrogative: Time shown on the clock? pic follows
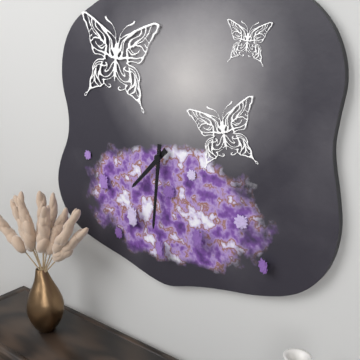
7:31
